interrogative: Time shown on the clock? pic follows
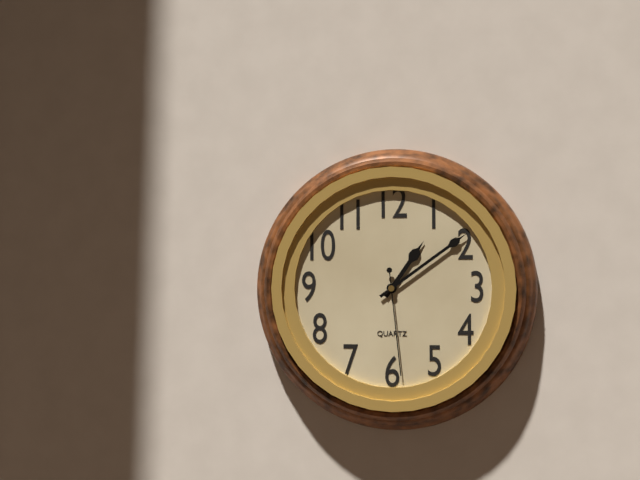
1:09:29
